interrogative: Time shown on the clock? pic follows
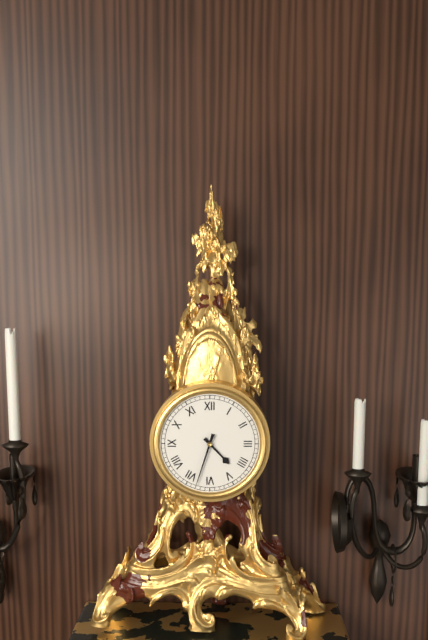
4:33
